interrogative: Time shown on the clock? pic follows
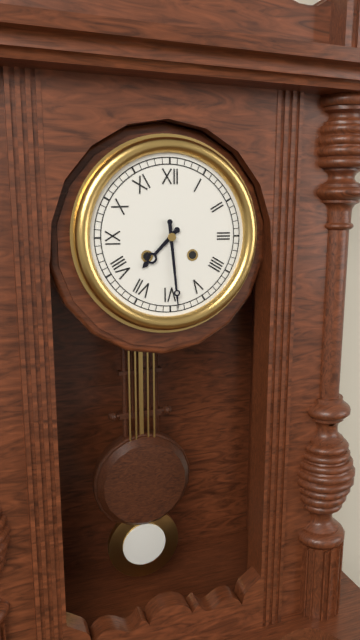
7:29
